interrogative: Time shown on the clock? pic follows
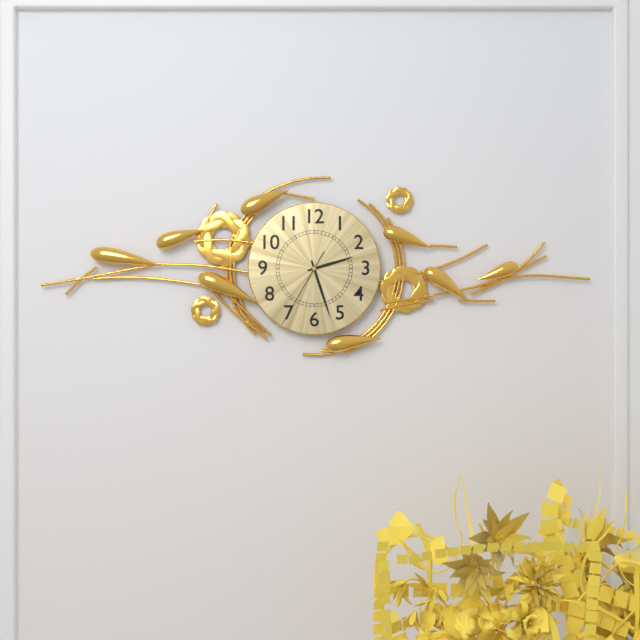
2:27:35
